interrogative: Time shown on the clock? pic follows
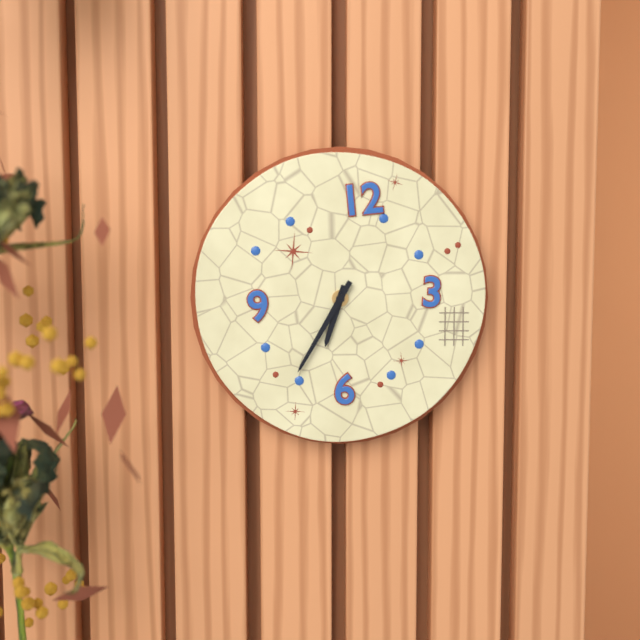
6:35
